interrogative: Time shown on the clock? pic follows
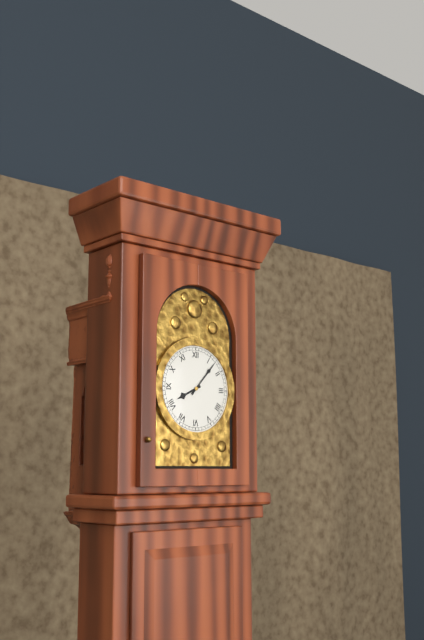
8:07
